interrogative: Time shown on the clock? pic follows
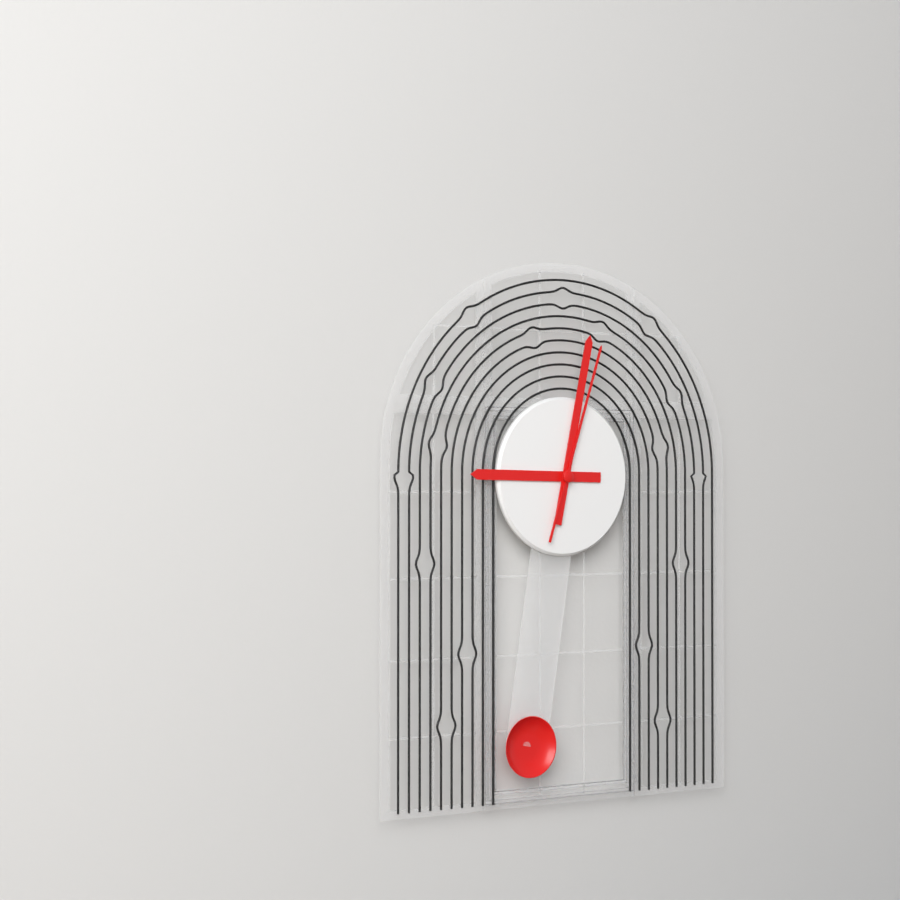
9:02:03
